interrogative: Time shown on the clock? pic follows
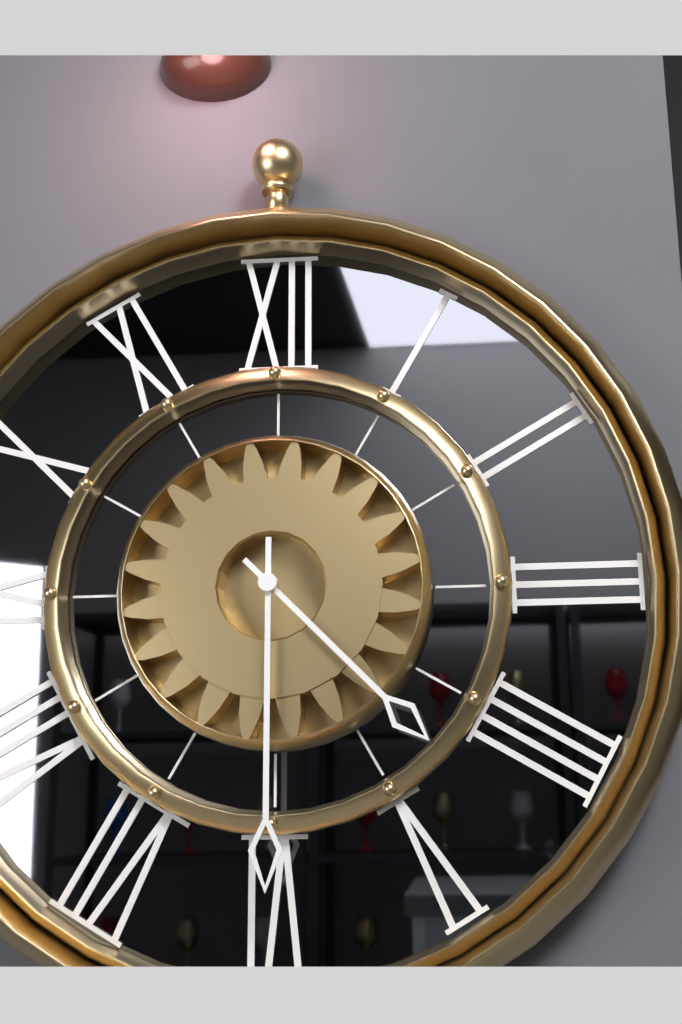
4:30
